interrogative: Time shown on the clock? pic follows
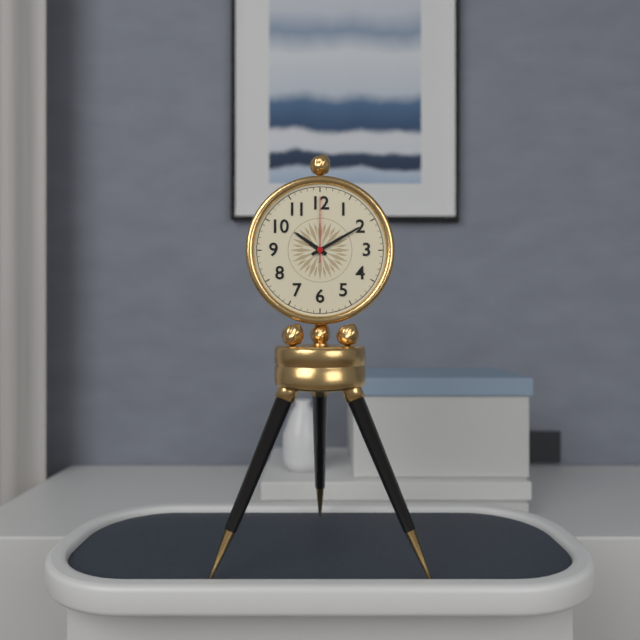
10:10:00
